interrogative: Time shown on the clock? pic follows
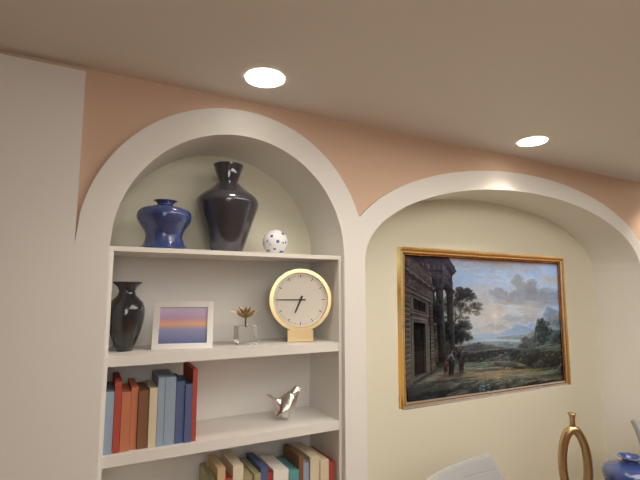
6:45
